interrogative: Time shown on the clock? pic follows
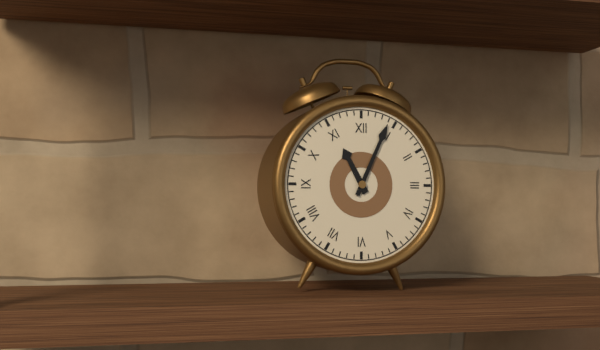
11:04
